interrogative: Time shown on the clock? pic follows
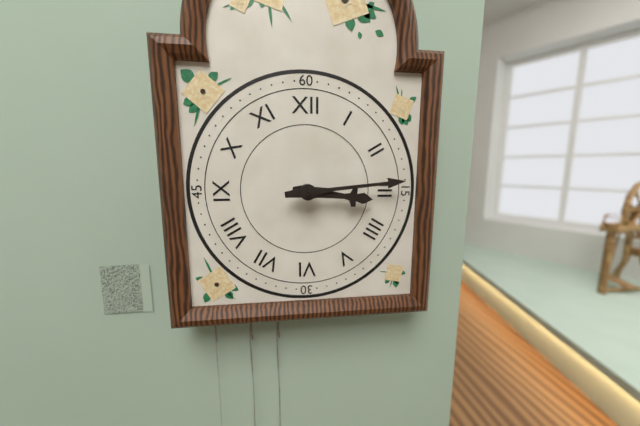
3:14
